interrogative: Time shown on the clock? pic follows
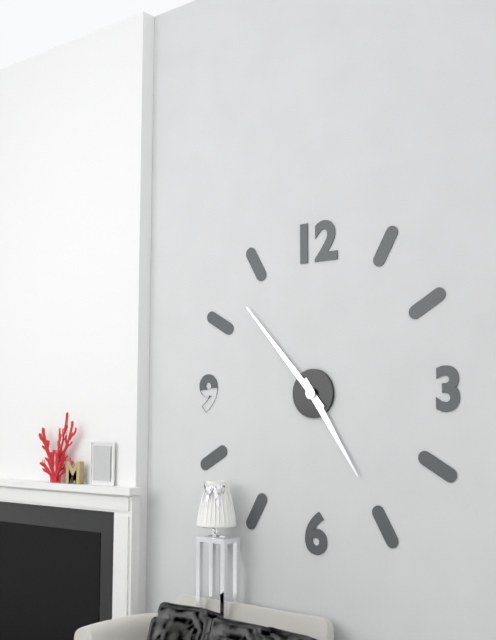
4:53
